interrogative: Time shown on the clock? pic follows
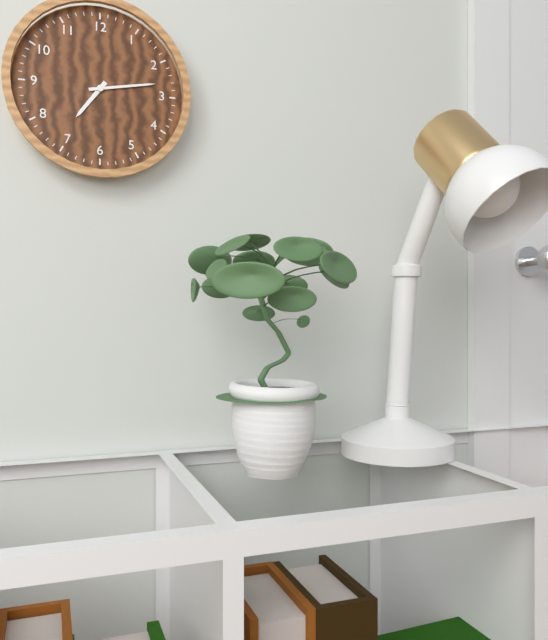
7:13
